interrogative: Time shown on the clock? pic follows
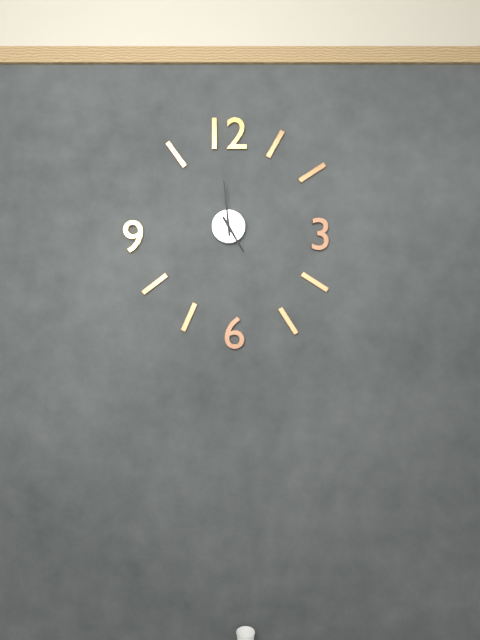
4:59
